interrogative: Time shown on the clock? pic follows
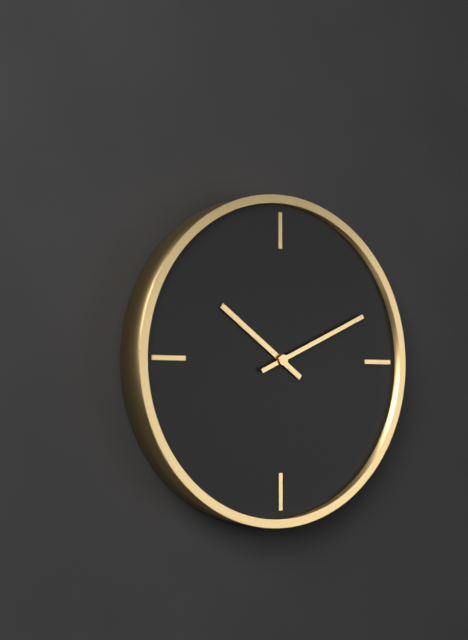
10:11
